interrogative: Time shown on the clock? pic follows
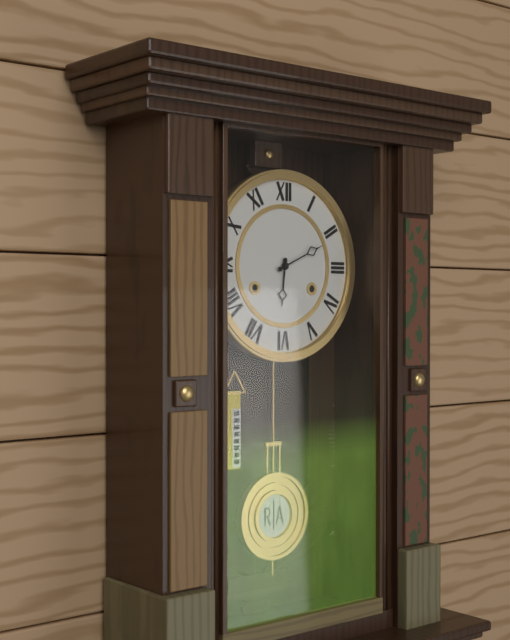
6:11
